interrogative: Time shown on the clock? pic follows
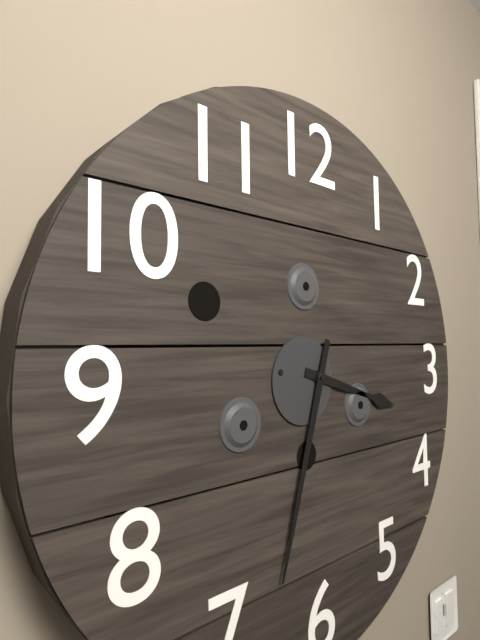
3:33
